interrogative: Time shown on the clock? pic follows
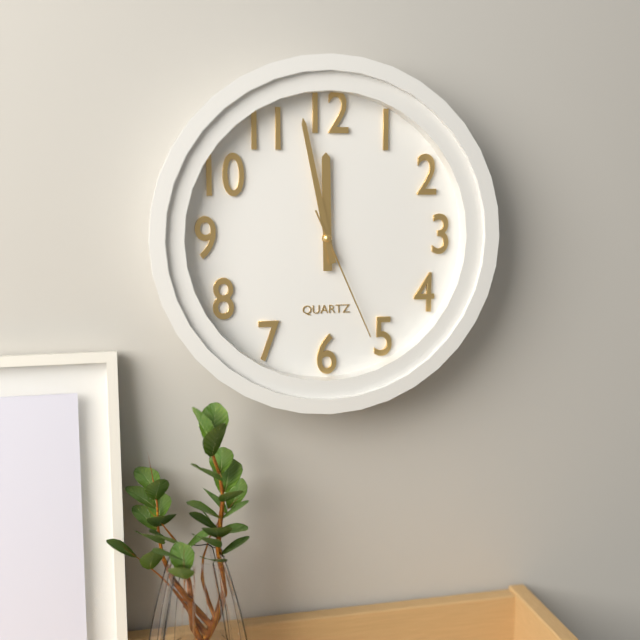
11:58:26
